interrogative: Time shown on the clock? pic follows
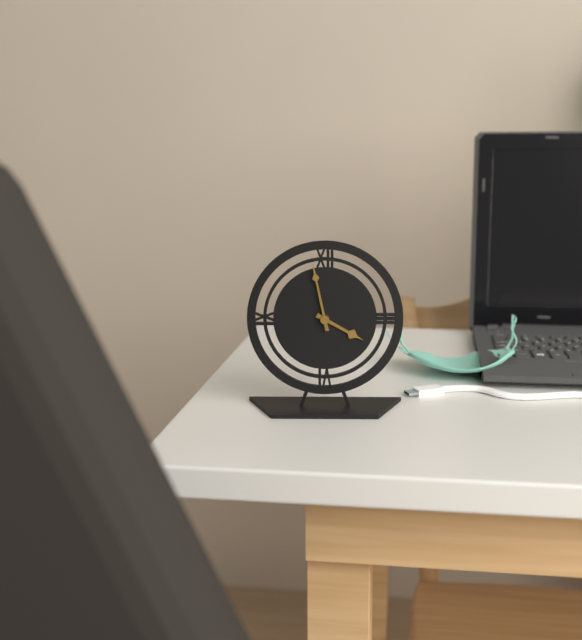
3:58
